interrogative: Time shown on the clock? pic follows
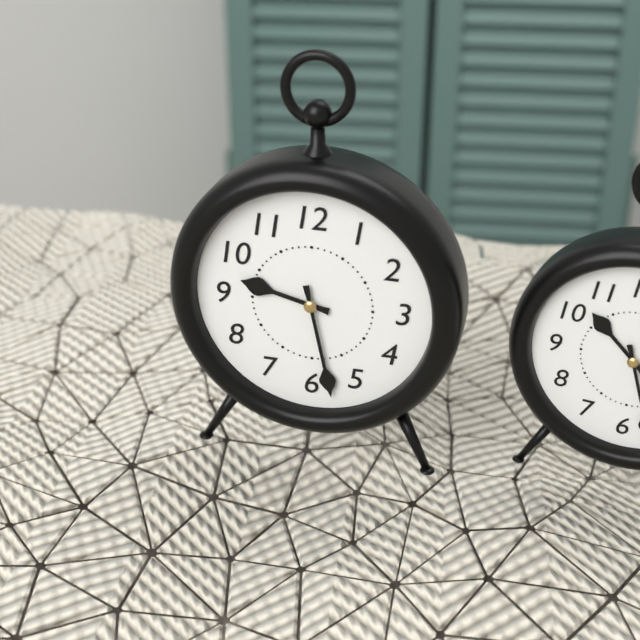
9:28
